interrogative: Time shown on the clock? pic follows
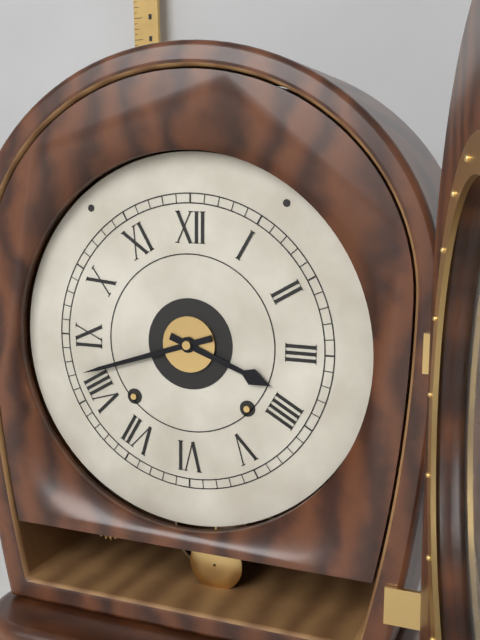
3:42
